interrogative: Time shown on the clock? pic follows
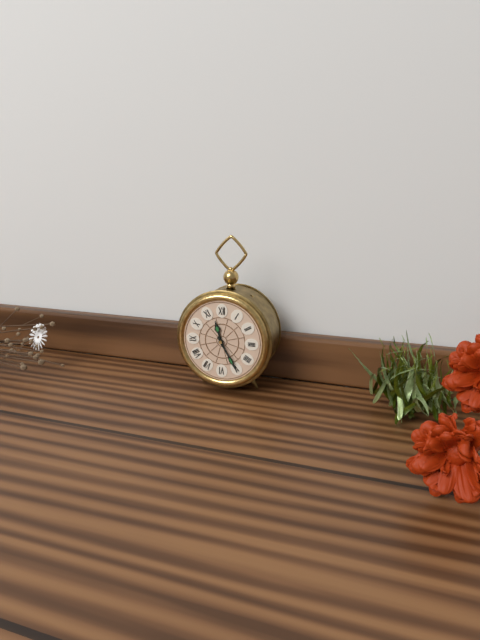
11:25
